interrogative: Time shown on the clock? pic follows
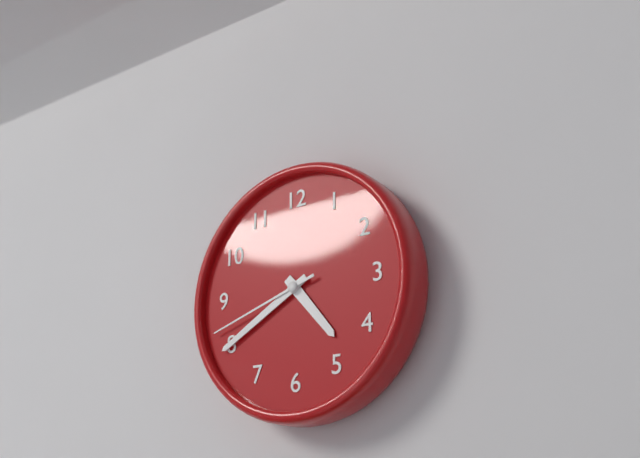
4:40:42
